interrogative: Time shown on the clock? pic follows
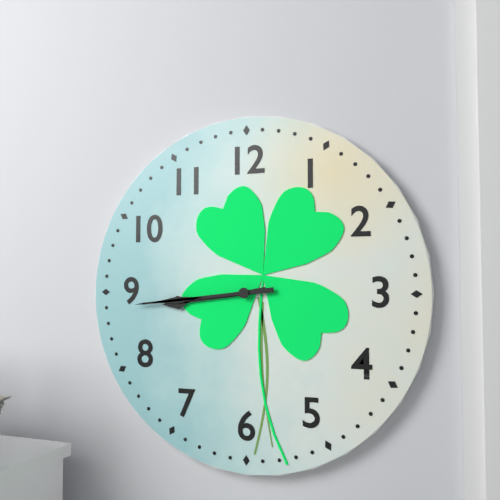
8:44
